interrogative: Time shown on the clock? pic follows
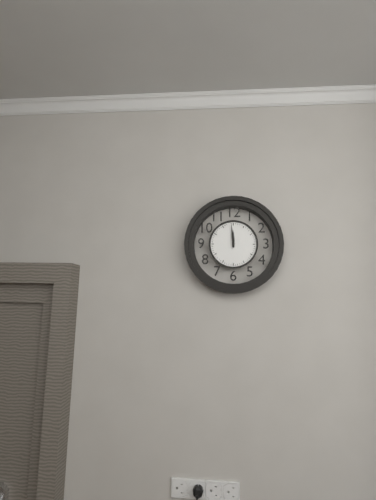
11:59
